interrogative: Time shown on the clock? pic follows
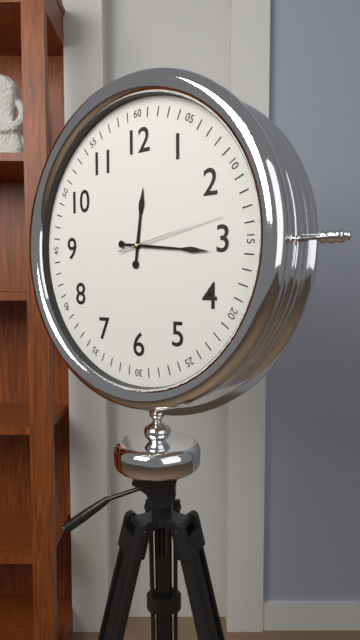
12:16:13
